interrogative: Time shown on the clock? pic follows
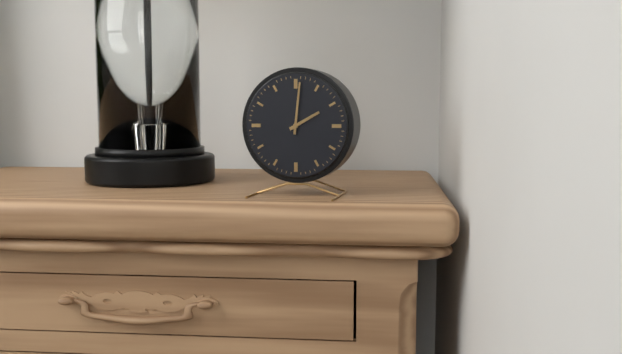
2:01
